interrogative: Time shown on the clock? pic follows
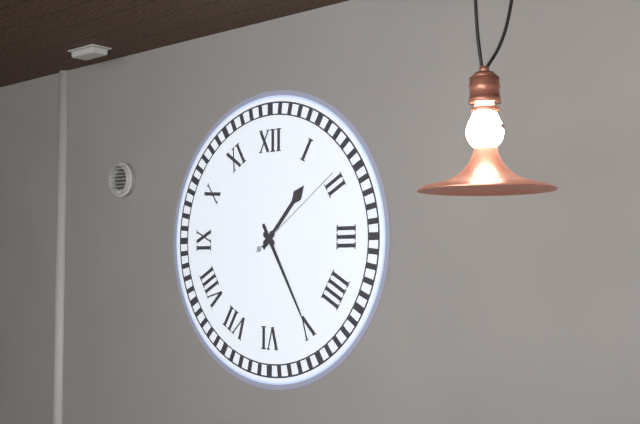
1:25:09
